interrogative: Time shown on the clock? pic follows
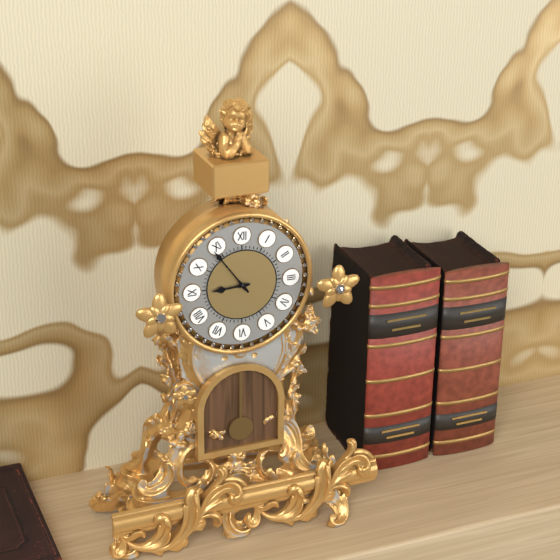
8:54
